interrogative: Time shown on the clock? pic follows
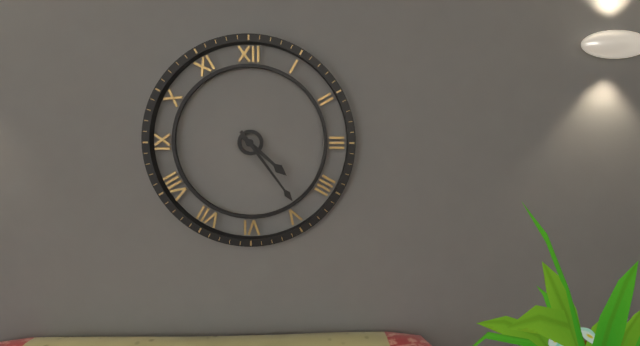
4:24
